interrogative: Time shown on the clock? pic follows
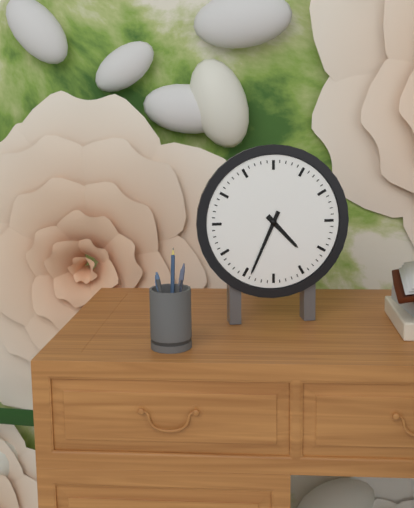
4:34
